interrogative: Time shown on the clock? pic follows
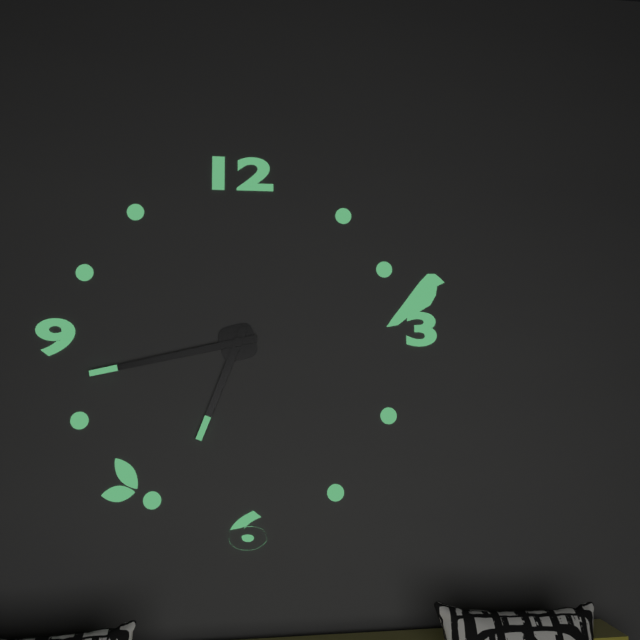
6:43
